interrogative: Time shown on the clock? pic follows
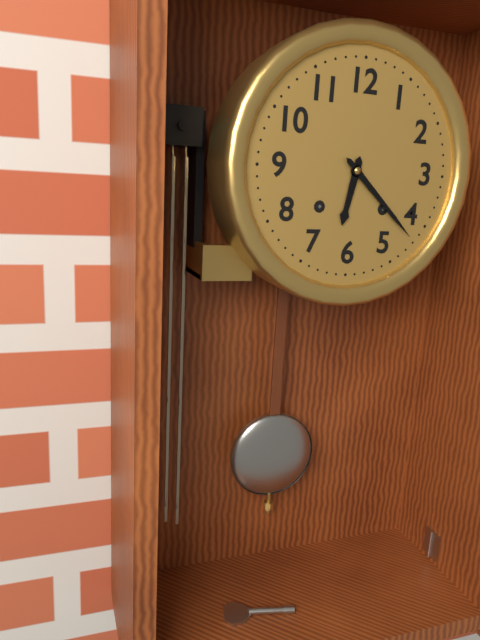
6:22
